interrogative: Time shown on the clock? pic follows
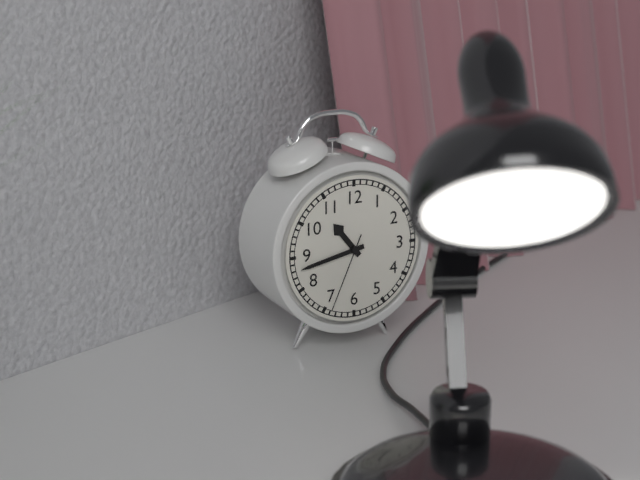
10:43:34
